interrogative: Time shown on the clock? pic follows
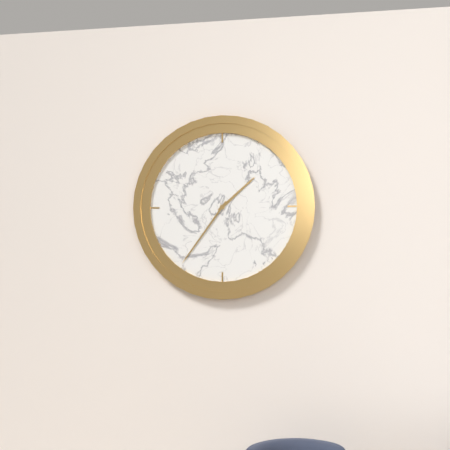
1:36
